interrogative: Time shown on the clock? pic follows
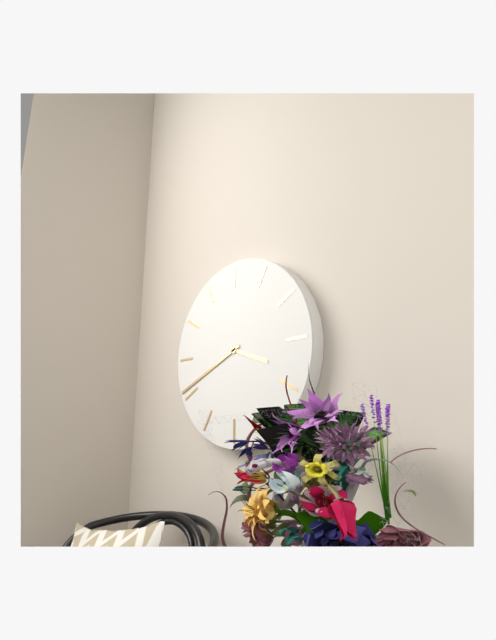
3:41
